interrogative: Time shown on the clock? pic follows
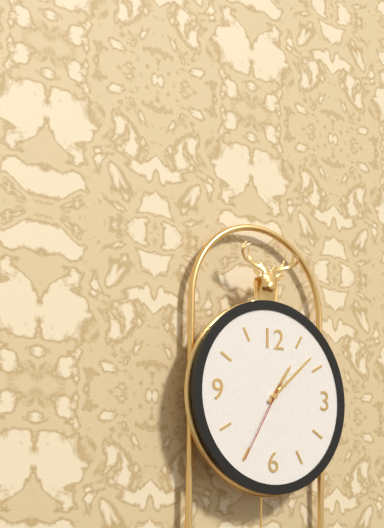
1:08:35
